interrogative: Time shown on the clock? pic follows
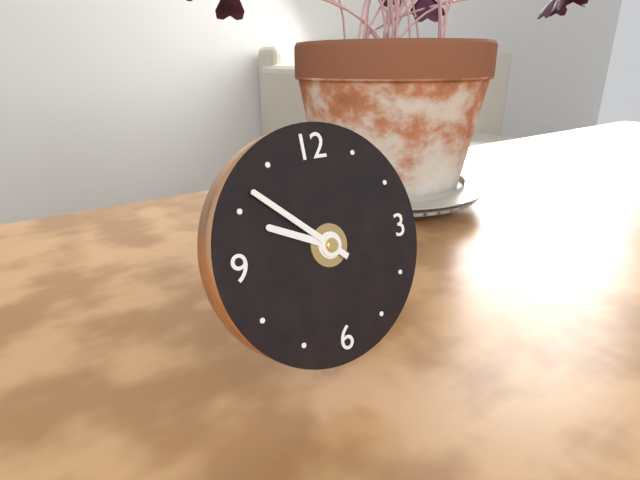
9:52
